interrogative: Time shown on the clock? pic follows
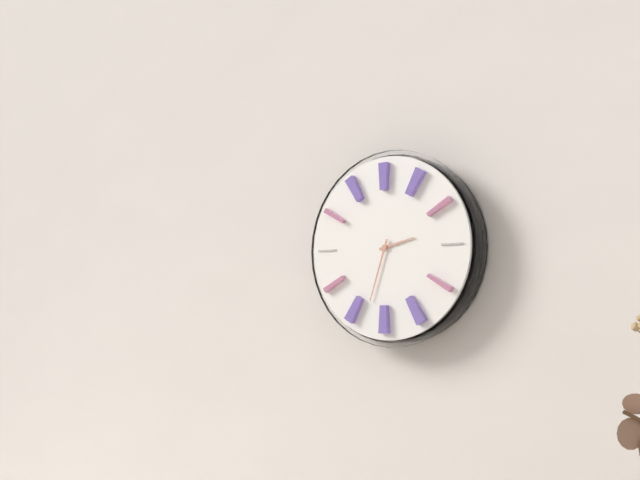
2:33
